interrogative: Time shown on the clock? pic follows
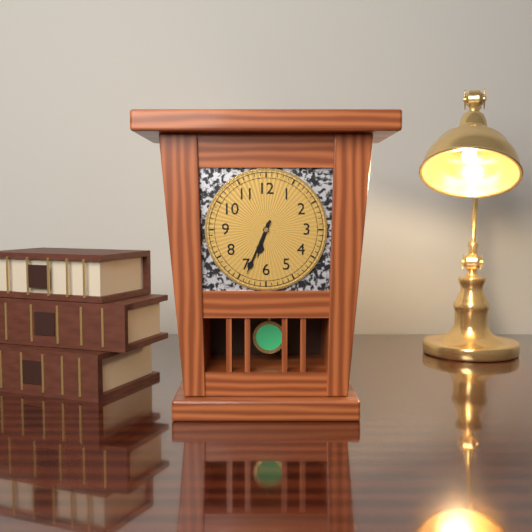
6:34
